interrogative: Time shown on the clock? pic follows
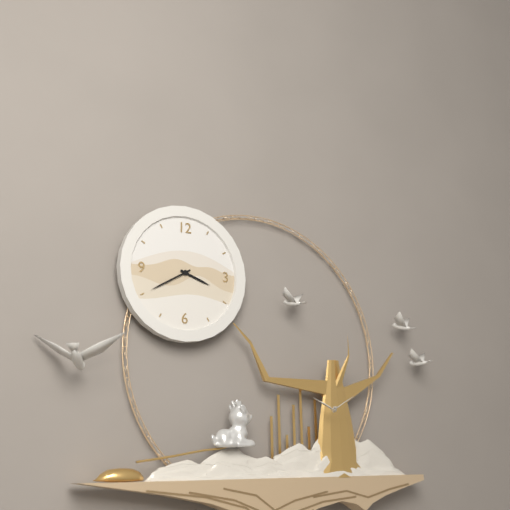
3:40
